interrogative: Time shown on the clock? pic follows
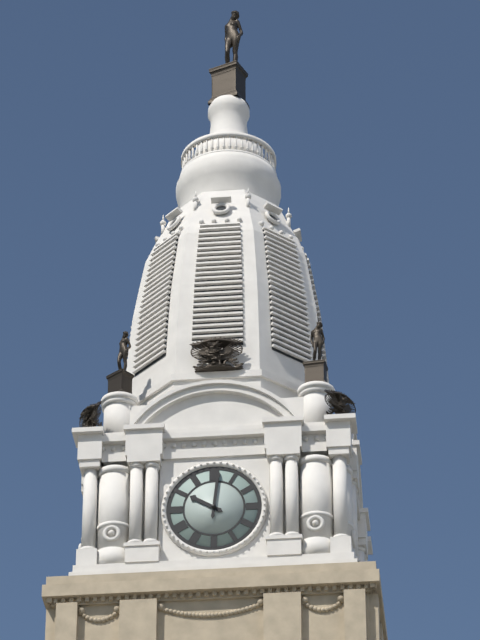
10:01
